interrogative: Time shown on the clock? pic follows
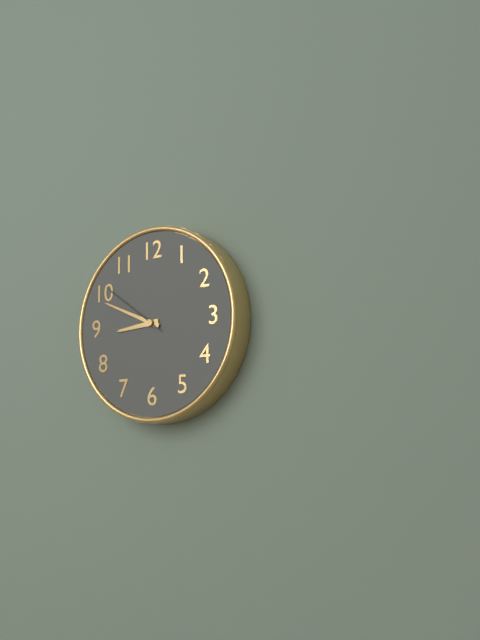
8:49:51
